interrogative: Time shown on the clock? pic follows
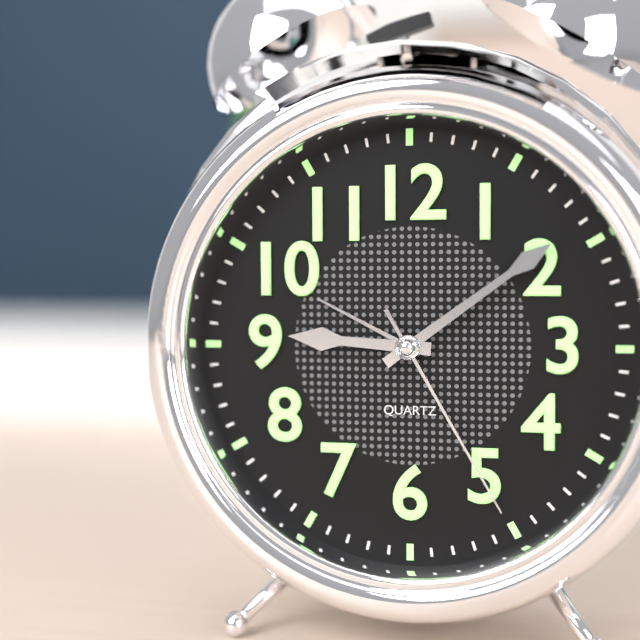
9:09:25
